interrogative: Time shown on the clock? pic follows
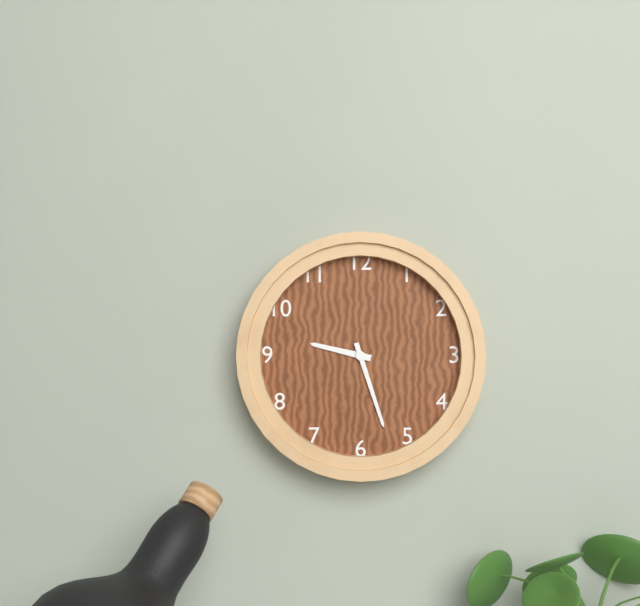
9:27
